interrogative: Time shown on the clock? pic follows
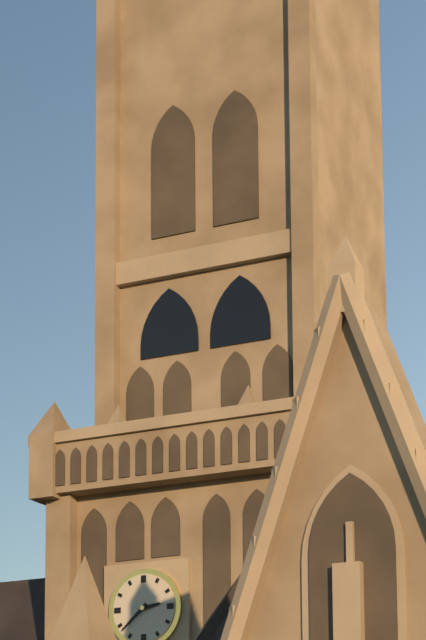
2:38
